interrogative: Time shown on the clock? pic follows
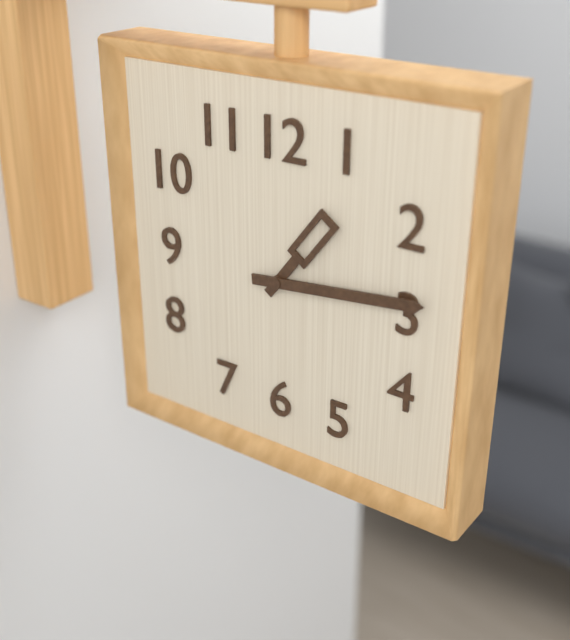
1:14
